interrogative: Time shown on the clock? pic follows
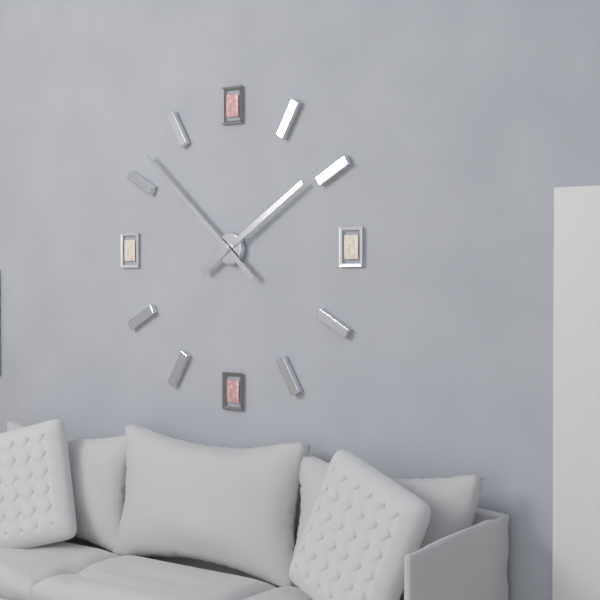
1:52
